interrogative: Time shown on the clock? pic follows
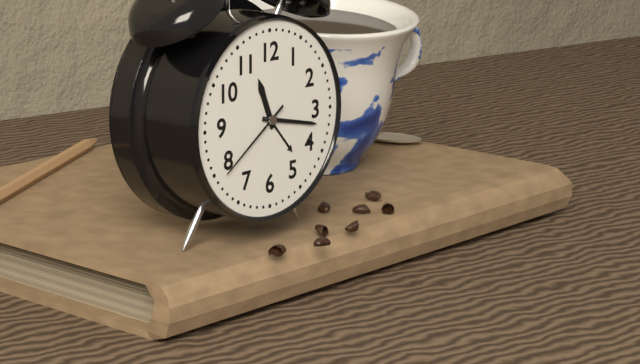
11:17:39
